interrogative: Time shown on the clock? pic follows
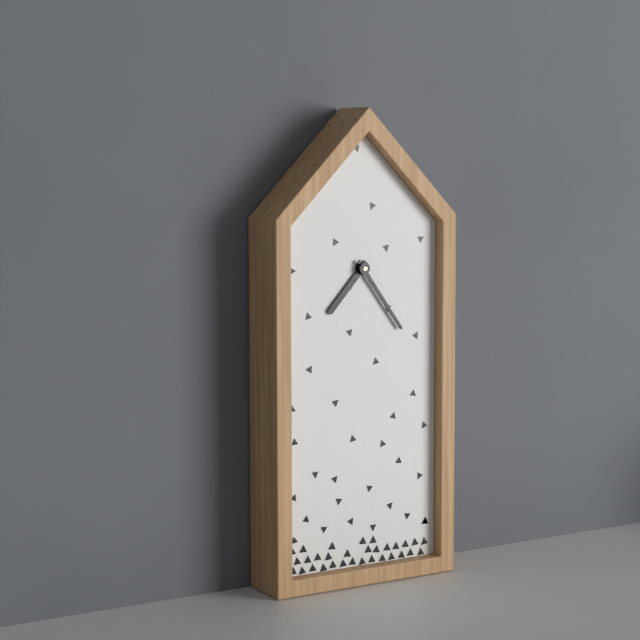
7:24
